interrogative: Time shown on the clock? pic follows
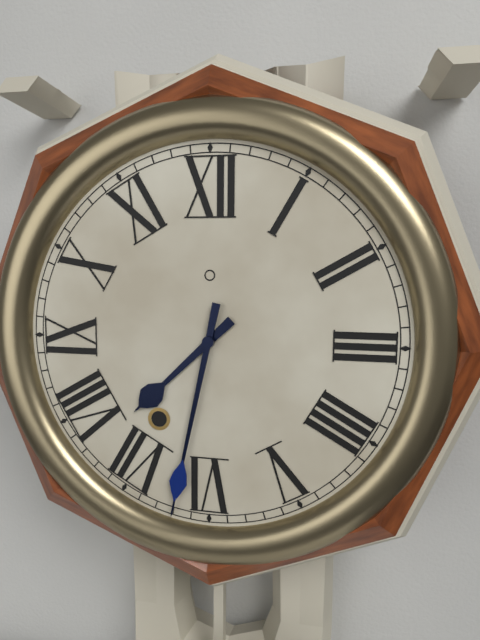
7:32
